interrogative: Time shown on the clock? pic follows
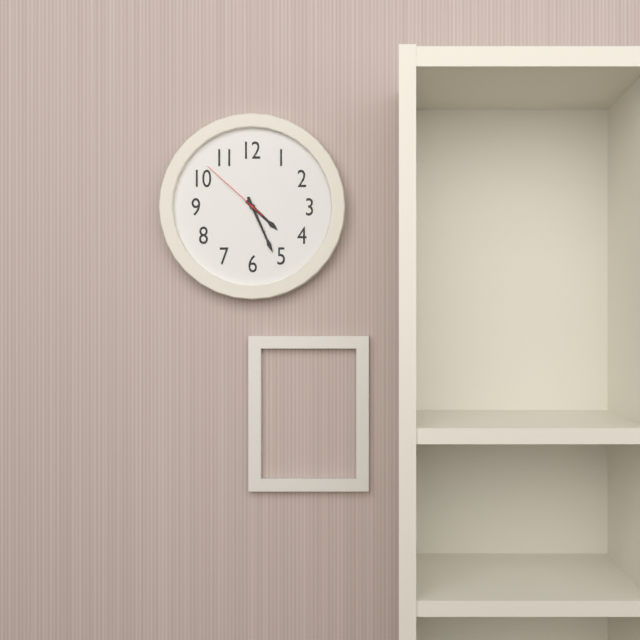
4:26:52
